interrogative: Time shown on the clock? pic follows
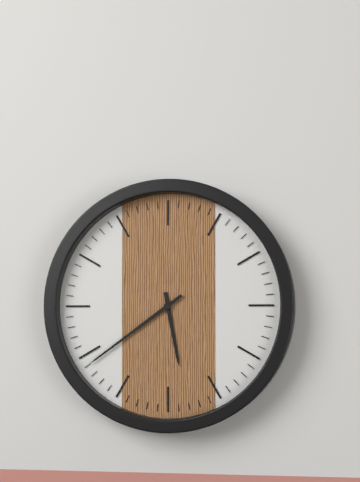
5:39
